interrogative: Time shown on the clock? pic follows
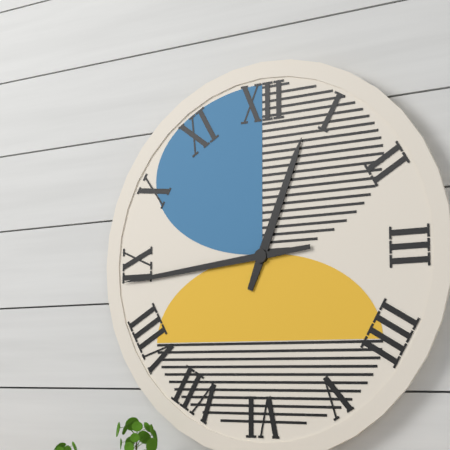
12:44
